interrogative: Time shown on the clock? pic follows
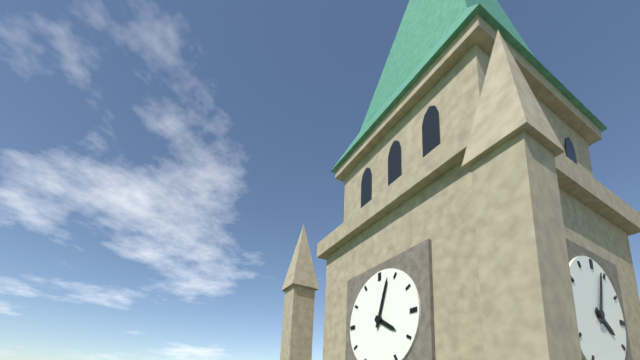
4:03
